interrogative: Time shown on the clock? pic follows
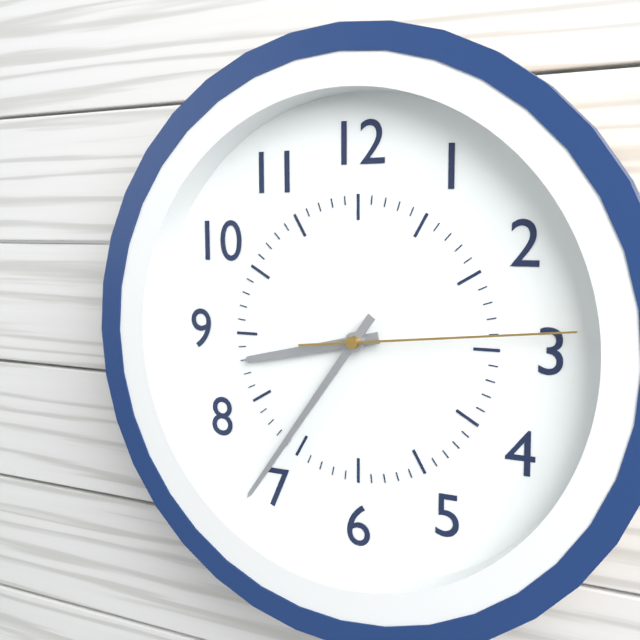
8:36:14
